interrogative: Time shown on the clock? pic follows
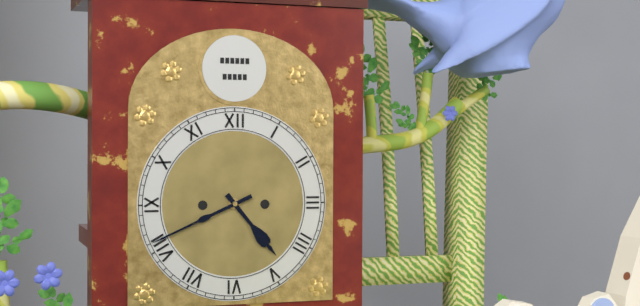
4:41
